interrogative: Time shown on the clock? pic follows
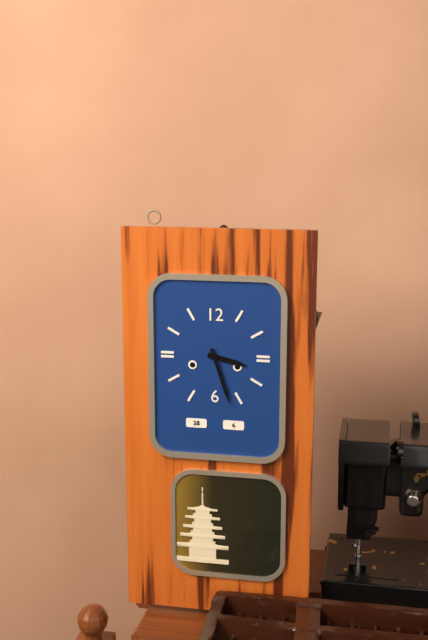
3:27
